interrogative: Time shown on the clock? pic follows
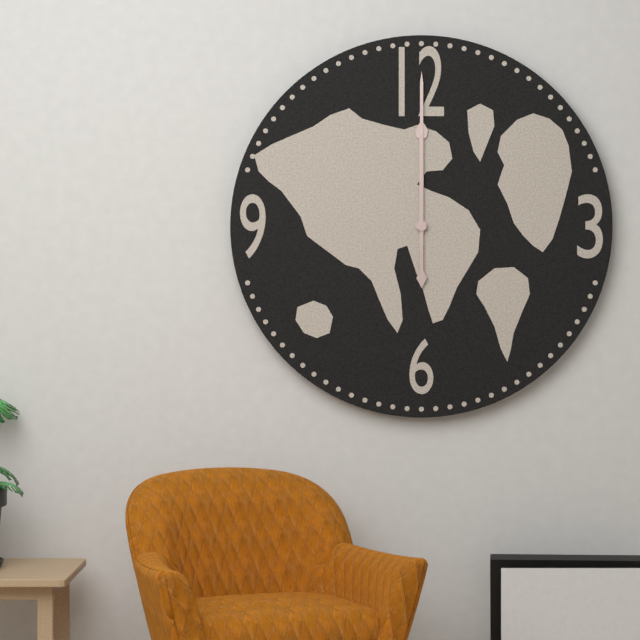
12:00
